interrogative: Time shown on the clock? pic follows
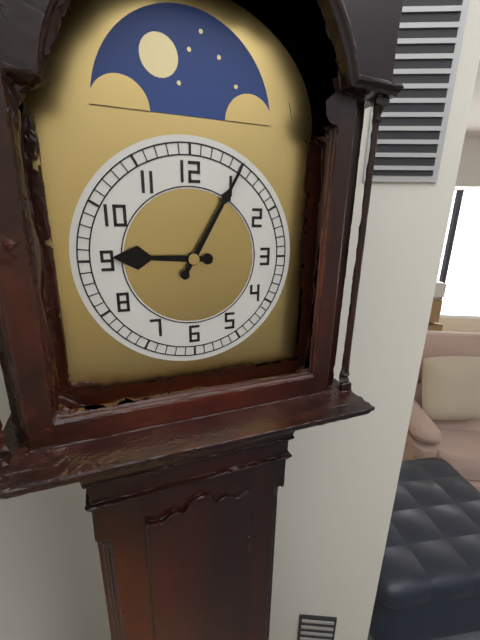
9:05
